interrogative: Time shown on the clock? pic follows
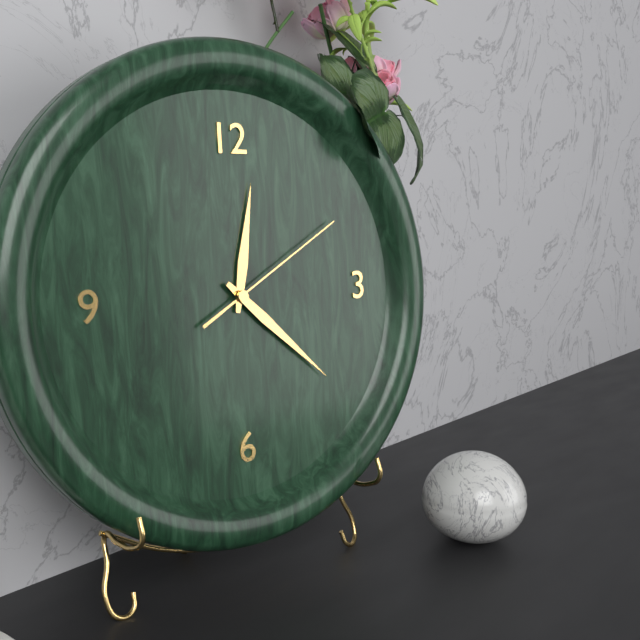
12:22:10
